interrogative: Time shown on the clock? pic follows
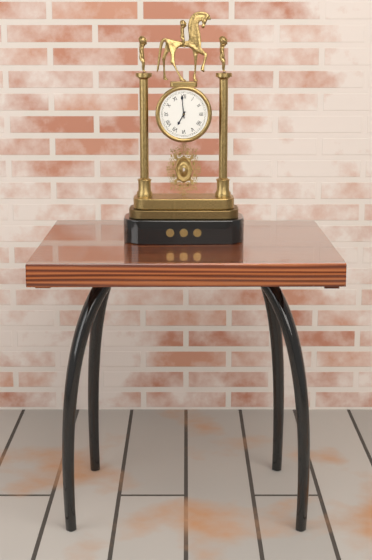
6:59
